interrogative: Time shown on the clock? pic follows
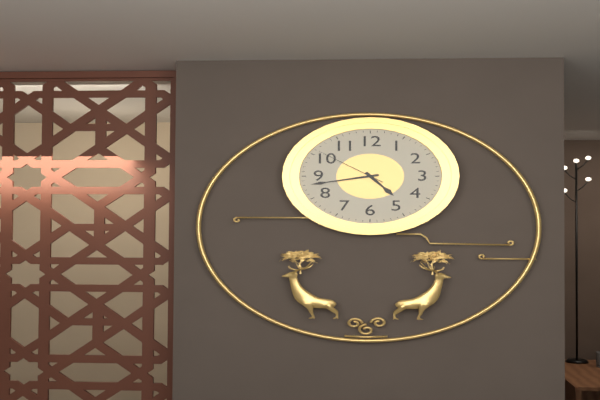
4:43:51
